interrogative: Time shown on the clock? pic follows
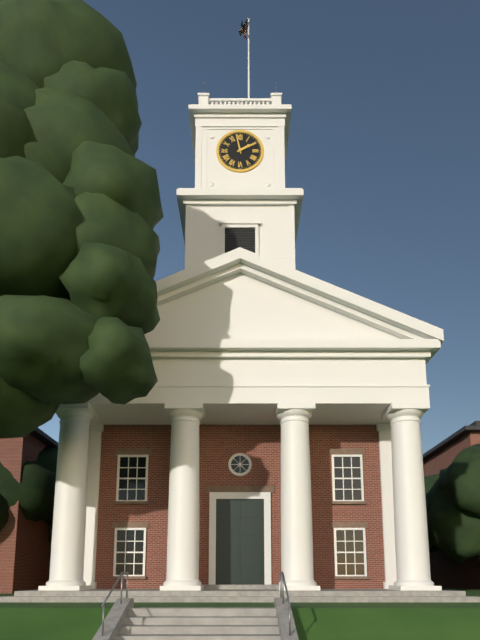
1:58
